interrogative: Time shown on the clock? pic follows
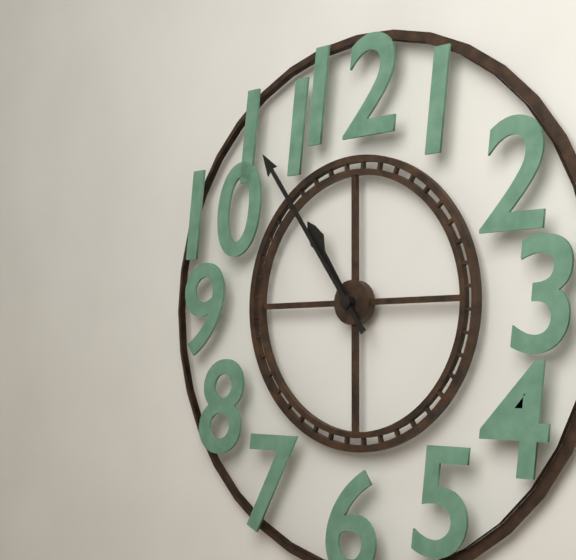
10:54
